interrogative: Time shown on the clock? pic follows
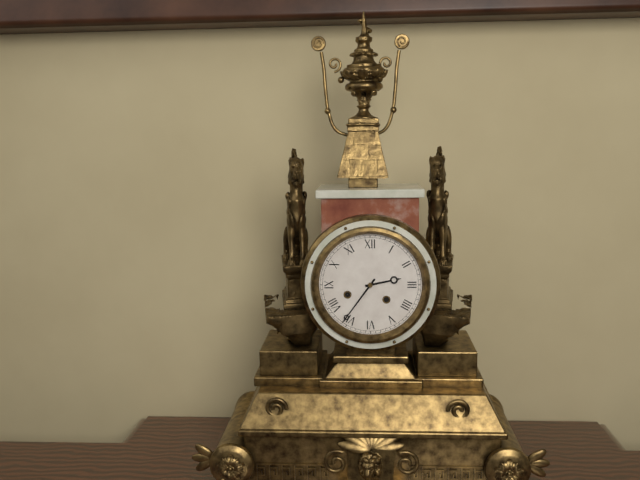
2:36
